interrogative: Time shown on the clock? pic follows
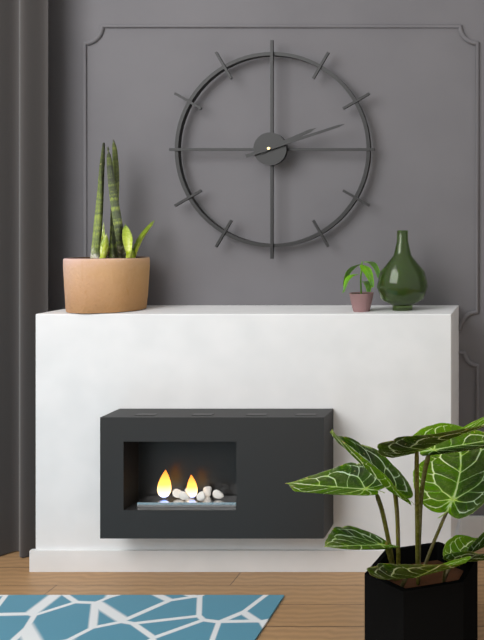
2:12
